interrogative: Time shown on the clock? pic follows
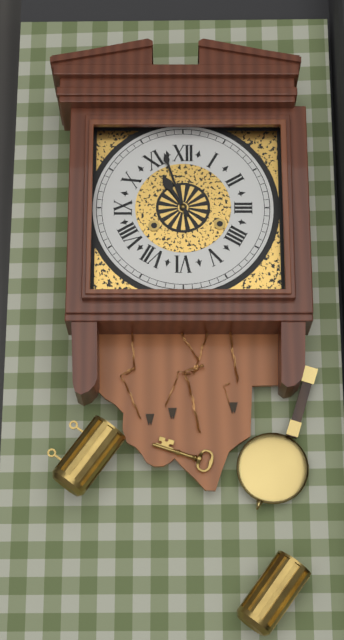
10:57
